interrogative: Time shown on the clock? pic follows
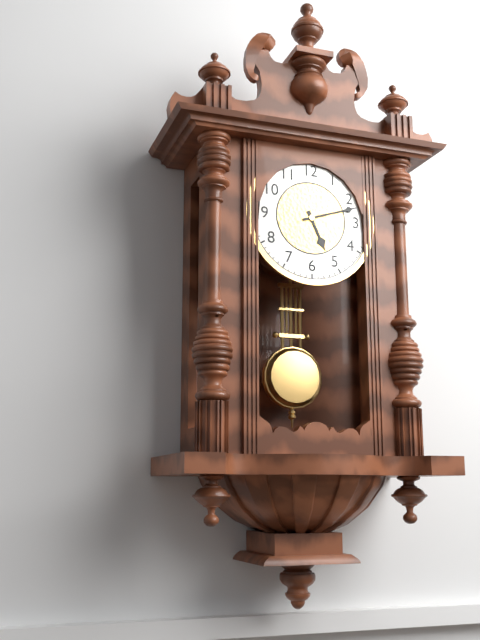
5:12
